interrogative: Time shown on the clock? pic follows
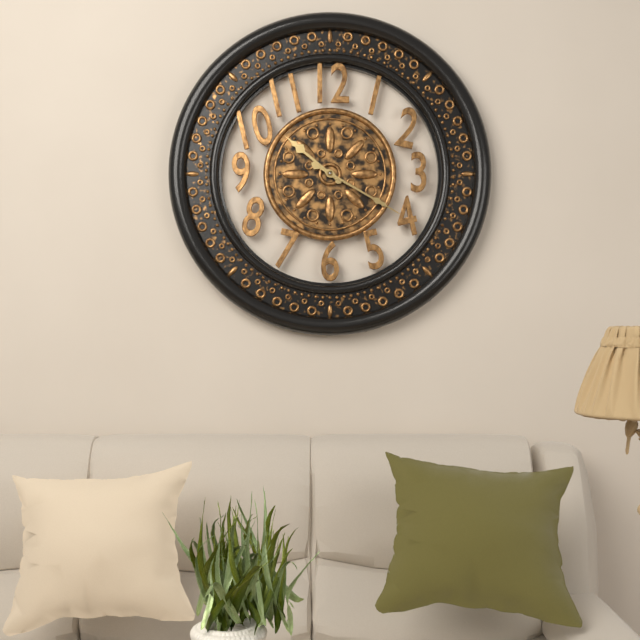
10:20
